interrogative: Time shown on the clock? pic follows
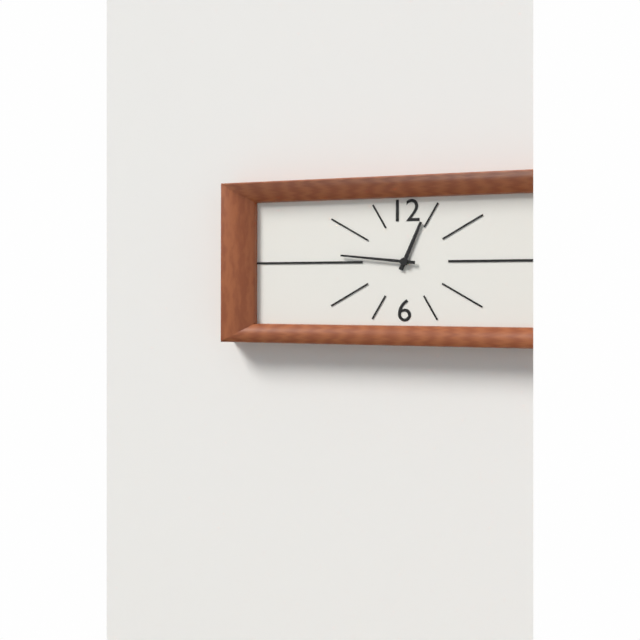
12:46
